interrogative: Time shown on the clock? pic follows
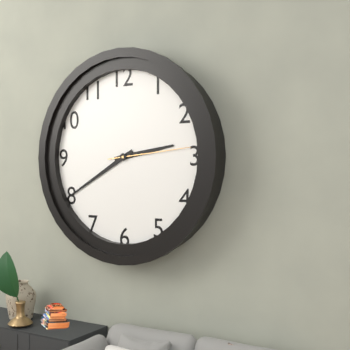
2:40:14
